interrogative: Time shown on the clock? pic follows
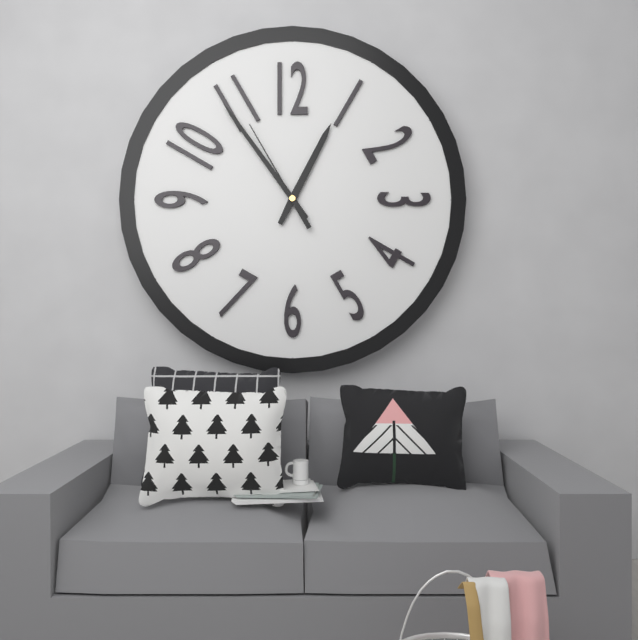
12:54:55
